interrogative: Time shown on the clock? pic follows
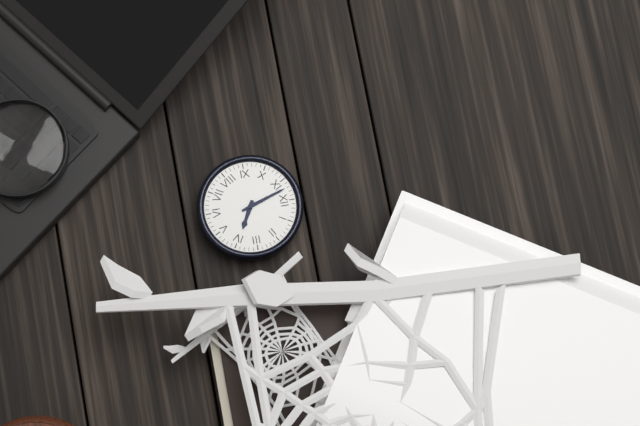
3:57
